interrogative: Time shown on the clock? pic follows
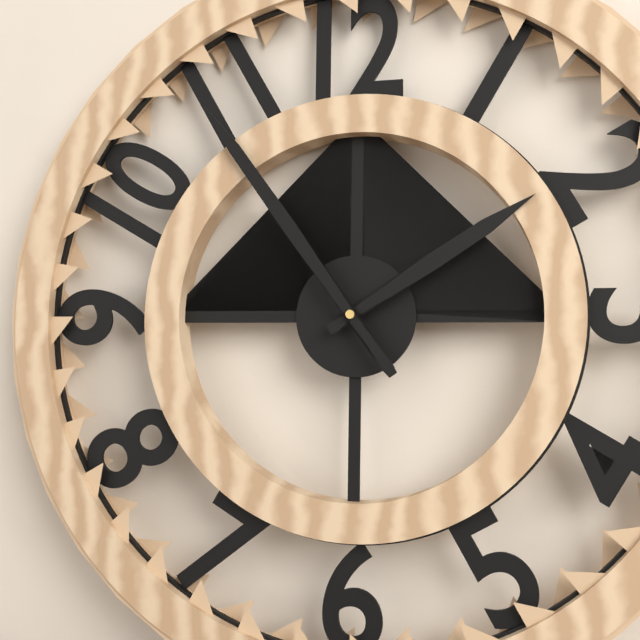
1:54
